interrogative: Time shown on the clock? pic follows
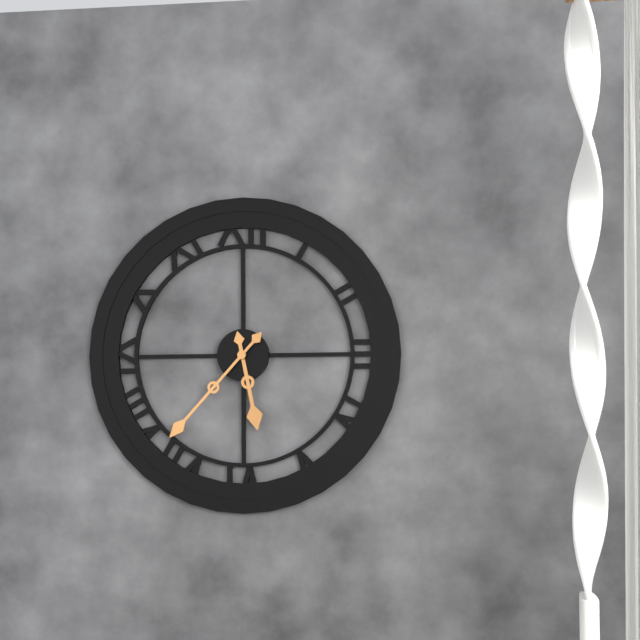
5:37
